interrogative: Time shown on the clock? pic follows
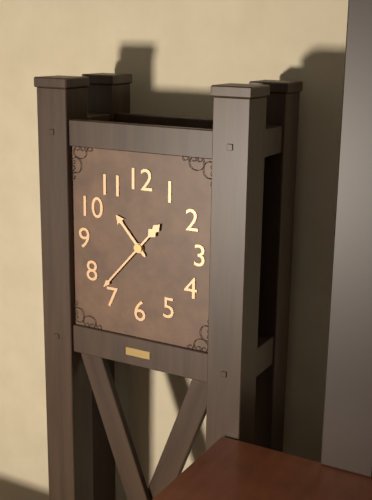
10:37
